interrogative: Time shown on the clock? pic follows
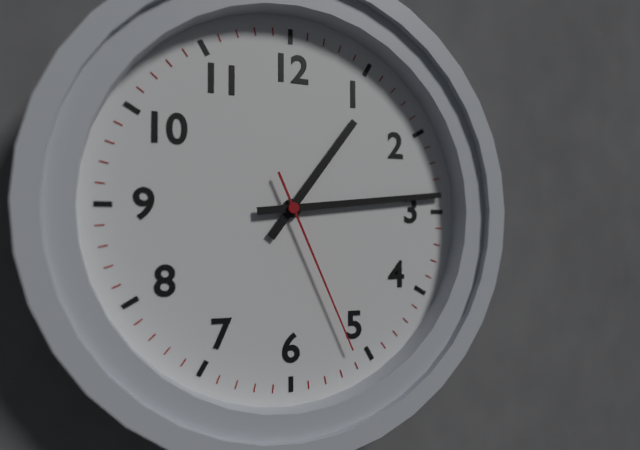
1:14:26
